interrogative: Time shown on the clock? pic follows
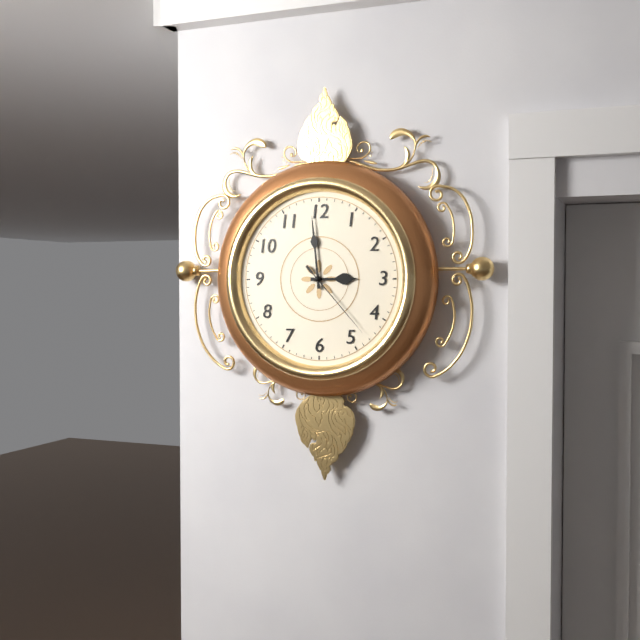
2:59:23
